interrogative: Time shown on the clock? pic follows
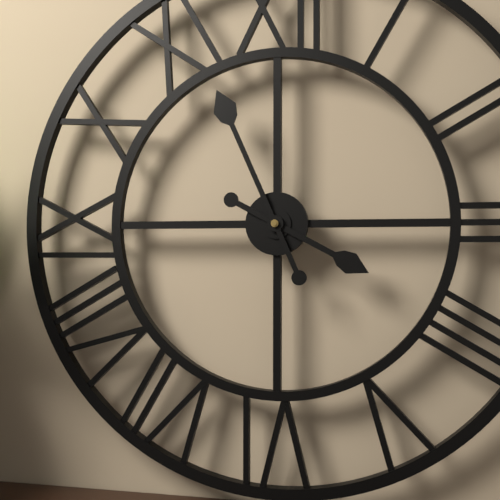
3:56
